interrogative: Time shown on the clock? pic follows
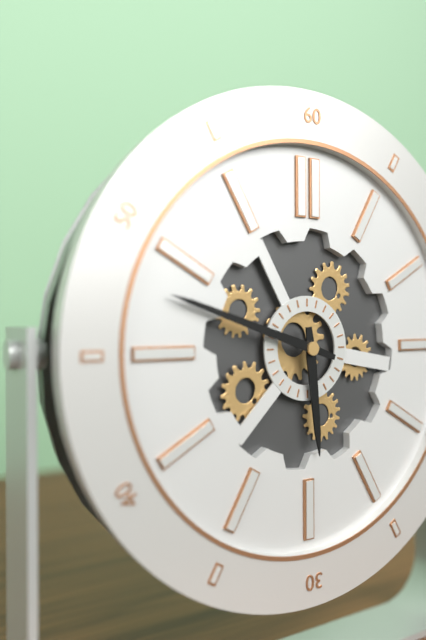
5:48
